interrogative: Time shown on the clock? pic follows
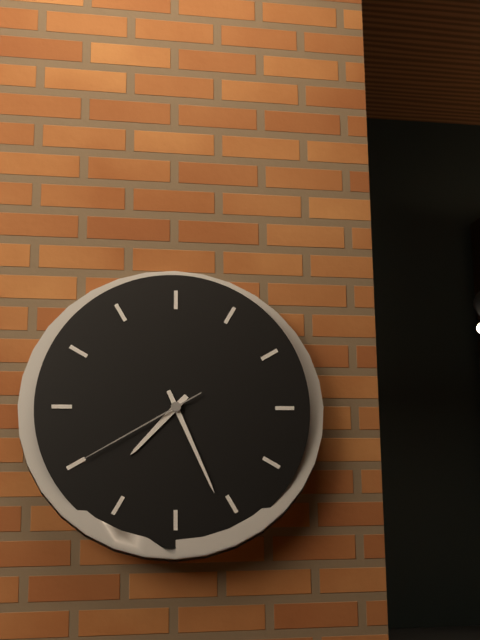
7:26:40
